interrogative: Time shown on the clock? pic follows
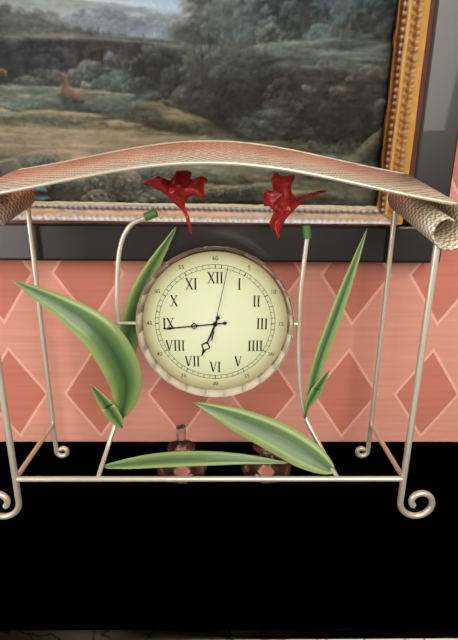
6:44:02
